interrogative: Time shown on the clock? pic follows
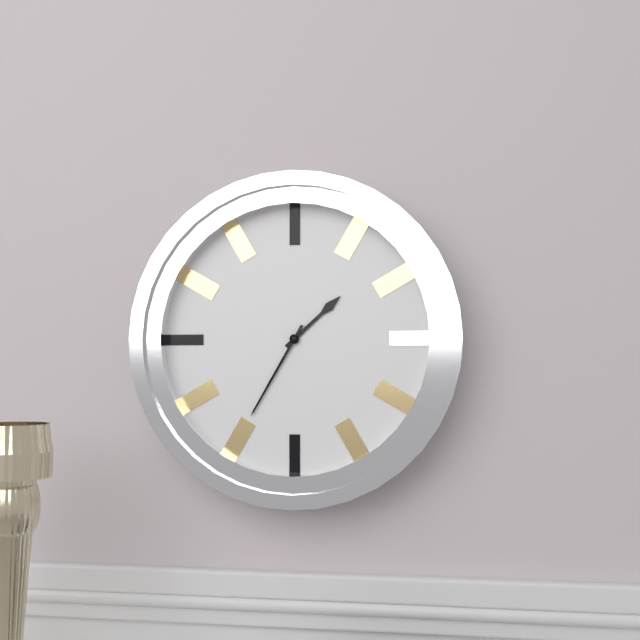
1:35
